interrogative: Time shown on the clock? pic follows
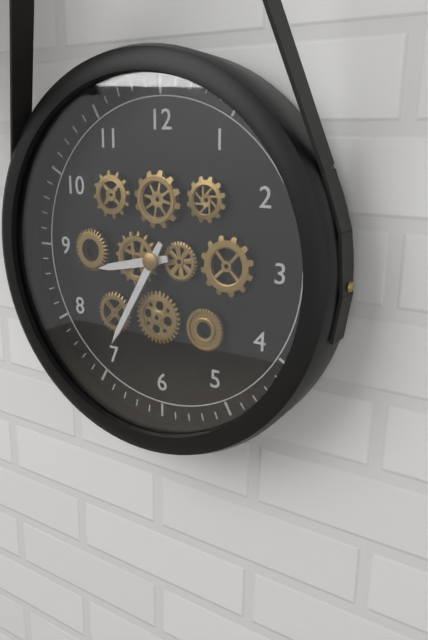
8:35
